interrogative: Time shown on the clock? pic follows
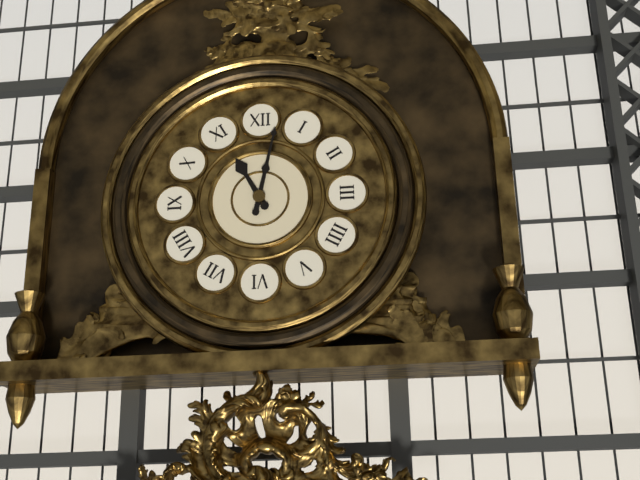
11:02
